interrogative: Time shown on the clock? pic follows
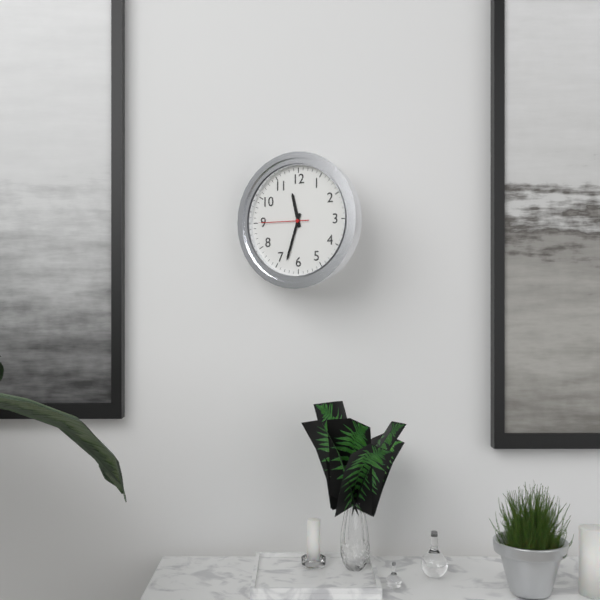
11:33:45
